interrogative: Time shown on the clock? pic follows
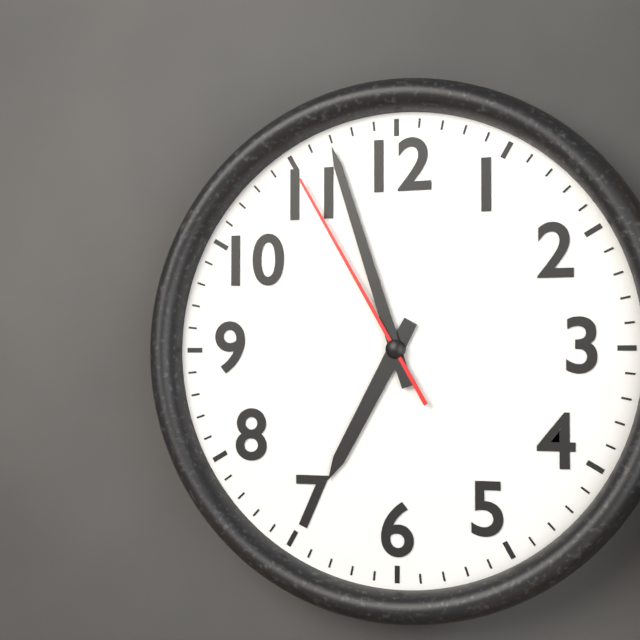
6:57:55
